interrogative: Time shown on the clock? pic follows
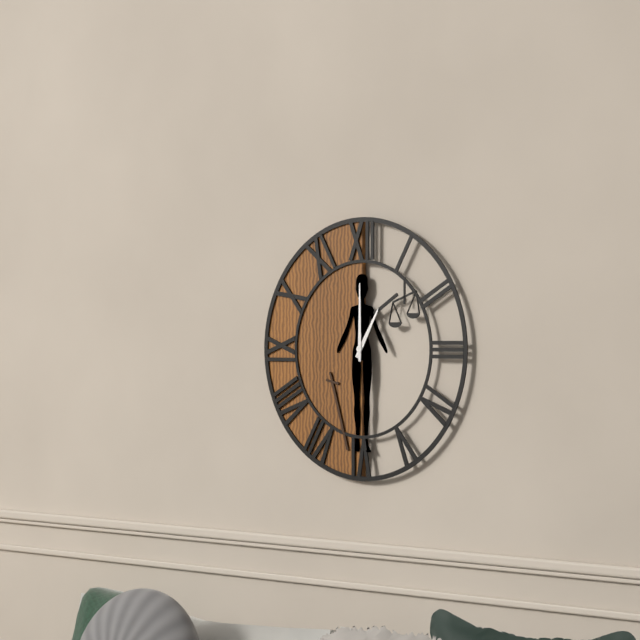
1:00
